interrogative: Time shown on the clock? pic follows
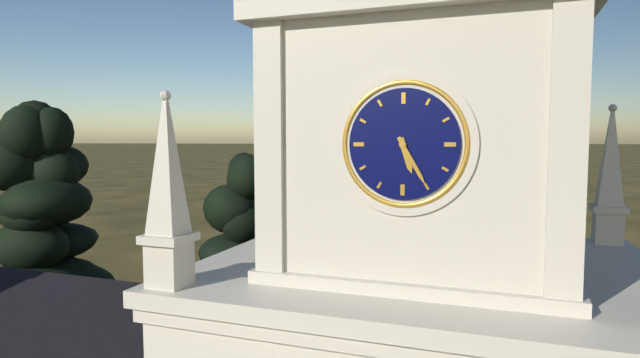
5:25
